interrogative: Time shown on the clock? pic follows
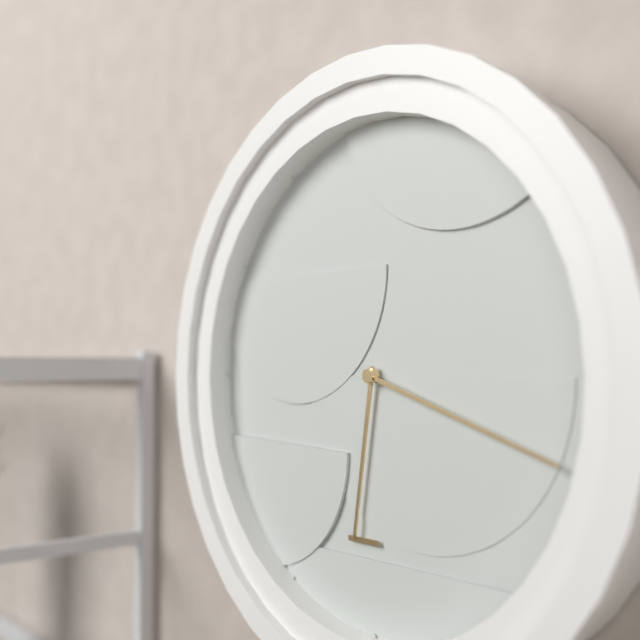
6:18
